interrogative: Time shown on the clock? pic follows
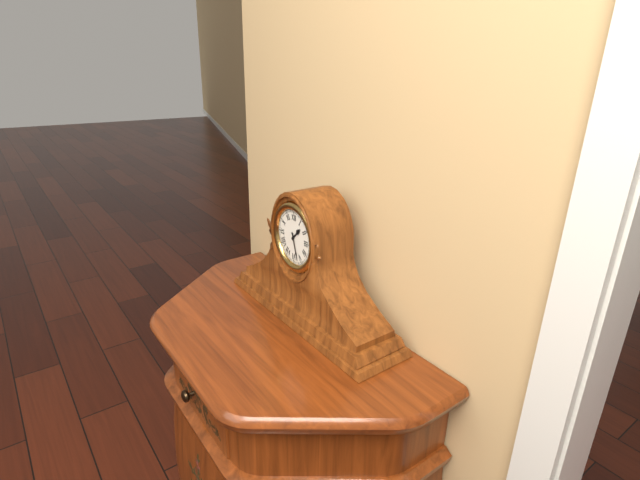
1:27
